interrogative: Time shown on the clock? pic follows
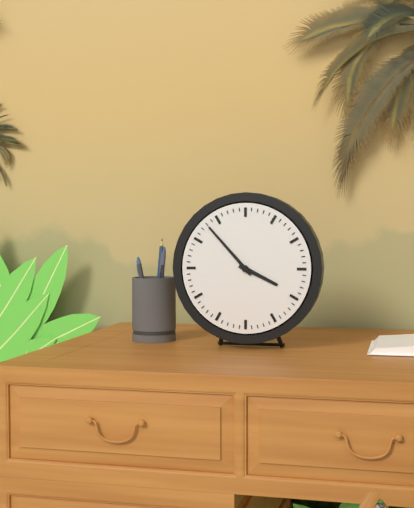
3:53
